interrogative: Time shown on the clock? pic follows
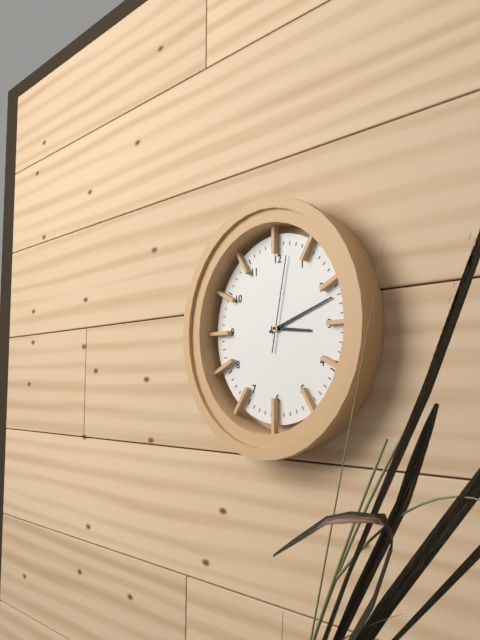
3:12:02
